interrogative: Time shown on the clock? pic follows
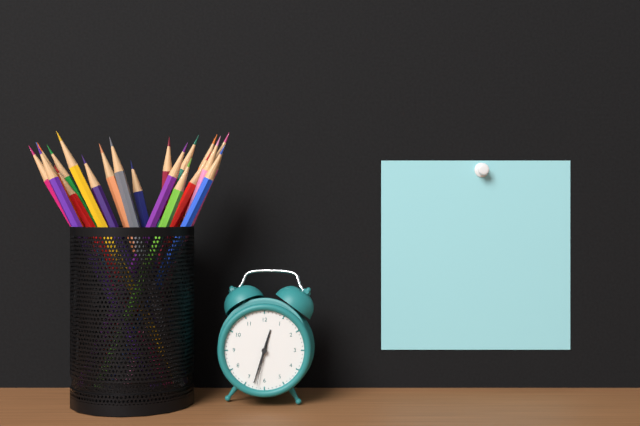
12:33
